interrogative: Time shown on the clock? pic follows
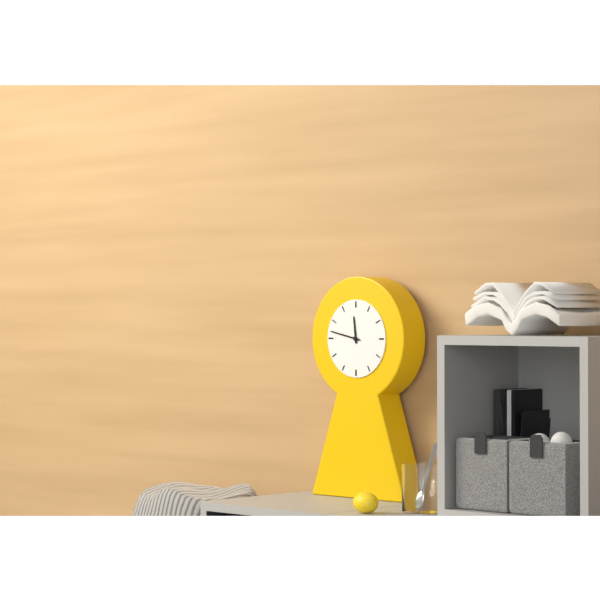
11:47
